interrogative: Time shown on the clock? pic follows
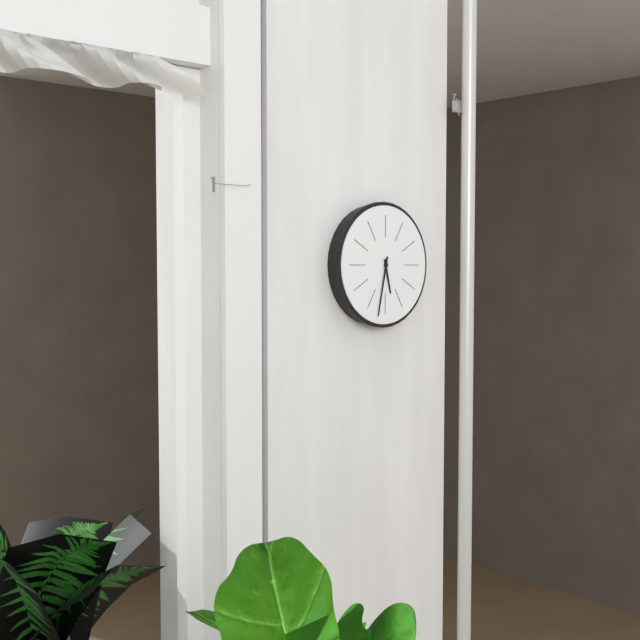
5:32
